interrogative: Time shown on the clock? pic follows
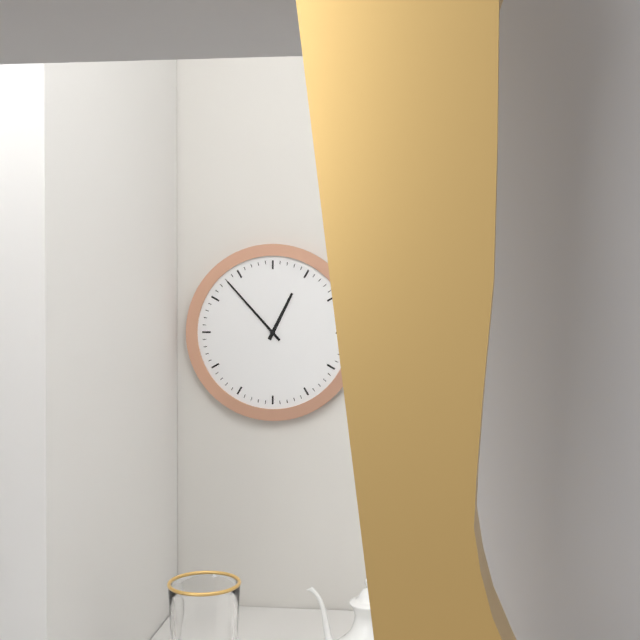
12:53
